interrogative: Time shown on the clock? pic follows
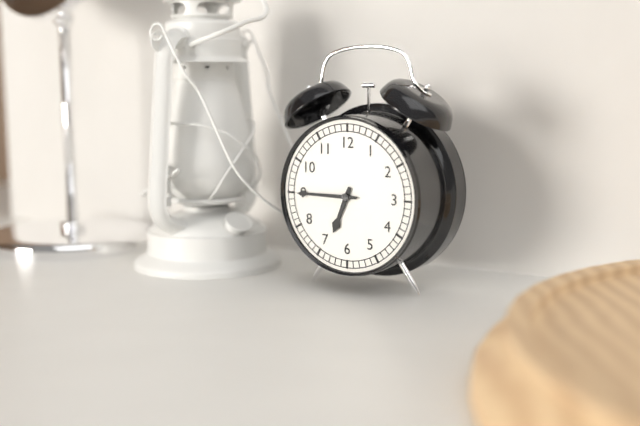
6:45
